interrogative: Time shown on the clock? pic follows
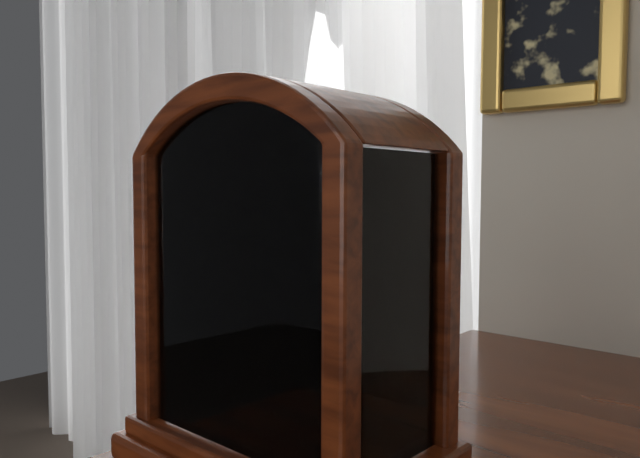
9:18
